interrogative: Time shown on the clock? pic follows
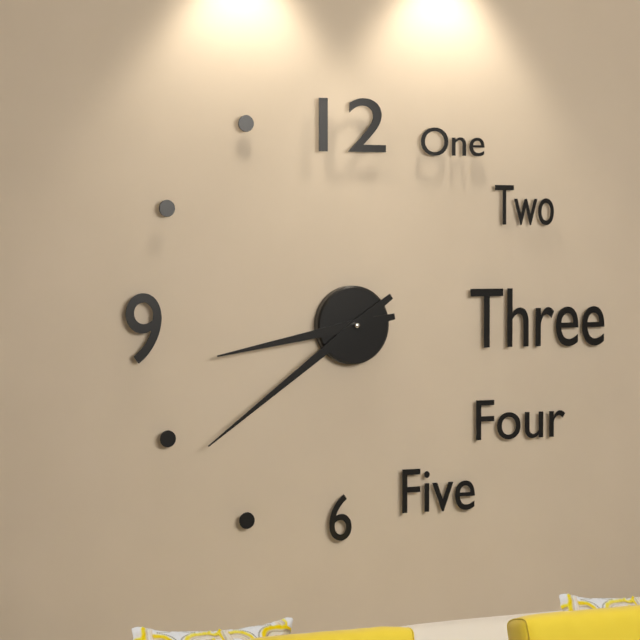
8:39
